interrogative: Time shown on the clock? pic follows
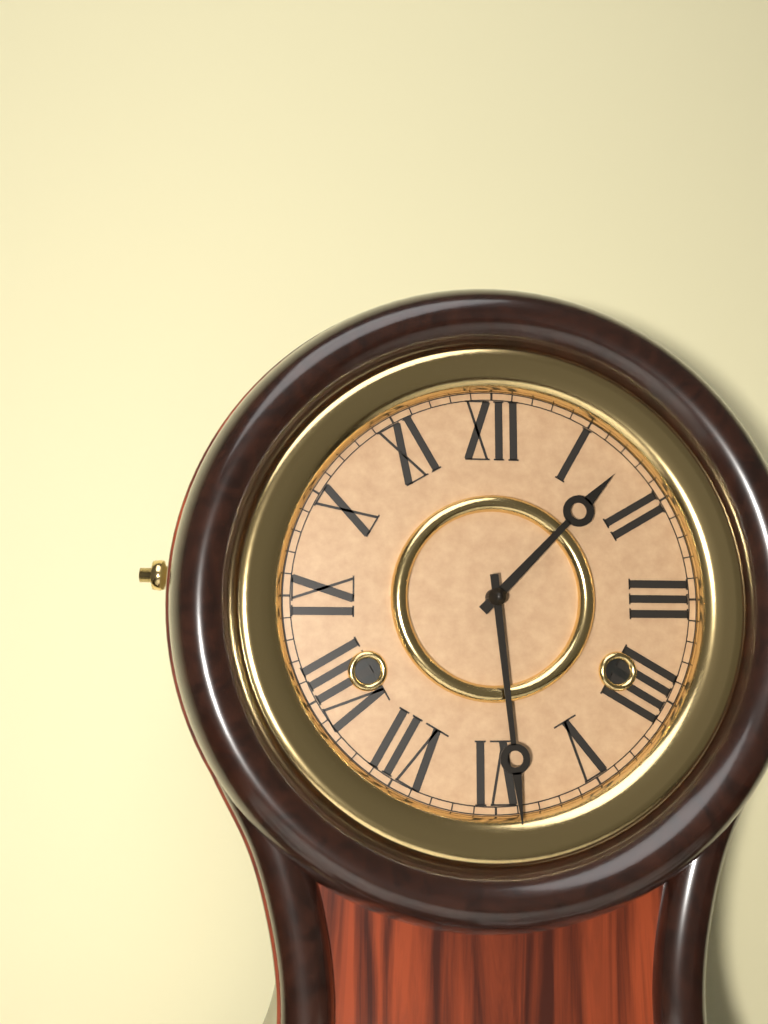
1:29
